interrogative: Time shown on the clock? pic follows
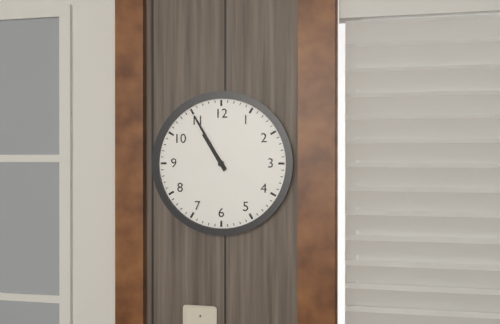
10:55
